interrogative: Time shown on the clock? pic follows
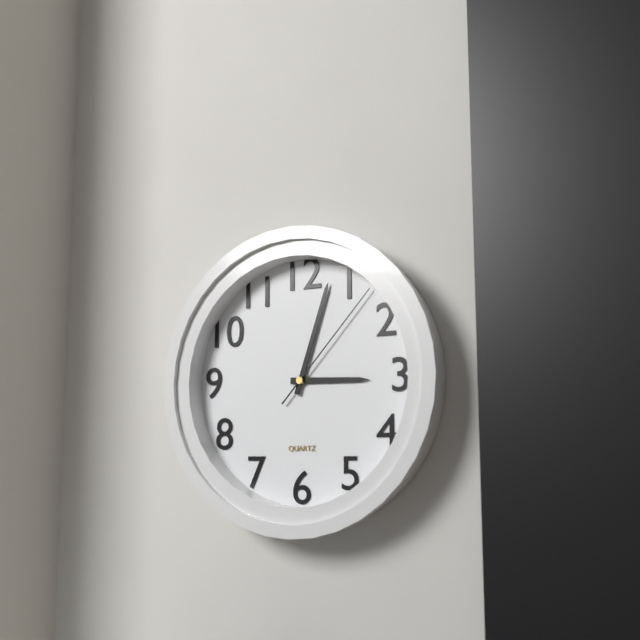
3:03:07
